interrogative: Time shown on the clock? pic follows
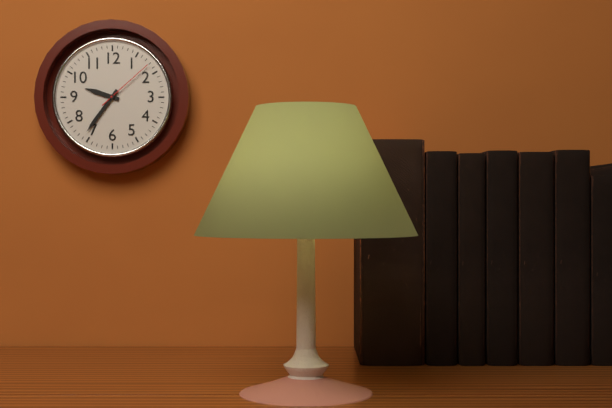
9:36:08
